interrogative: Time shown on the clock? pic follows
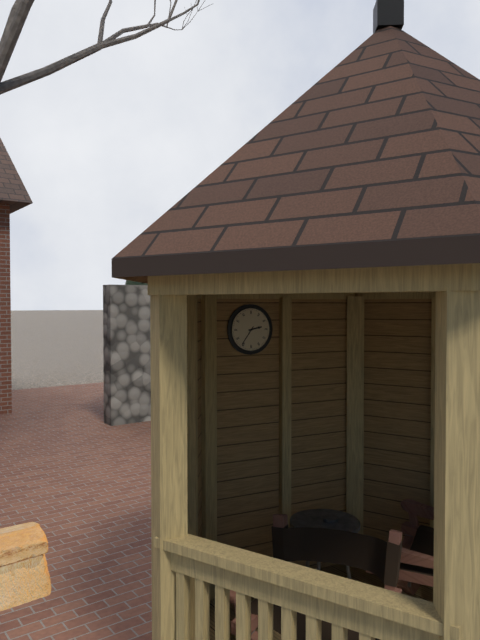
2:36
